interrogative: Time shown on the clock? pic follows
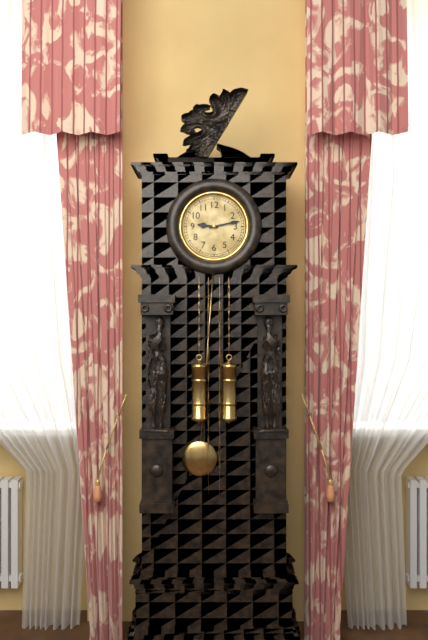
9:13
